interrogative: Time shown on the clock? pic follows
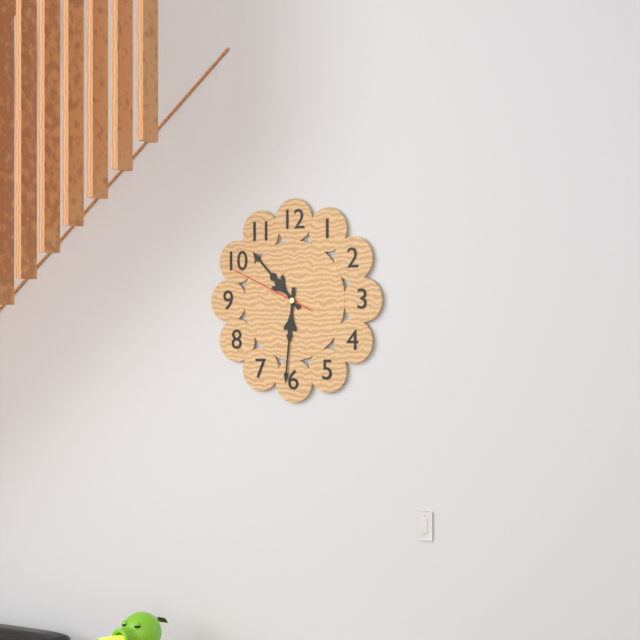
10:31:49
